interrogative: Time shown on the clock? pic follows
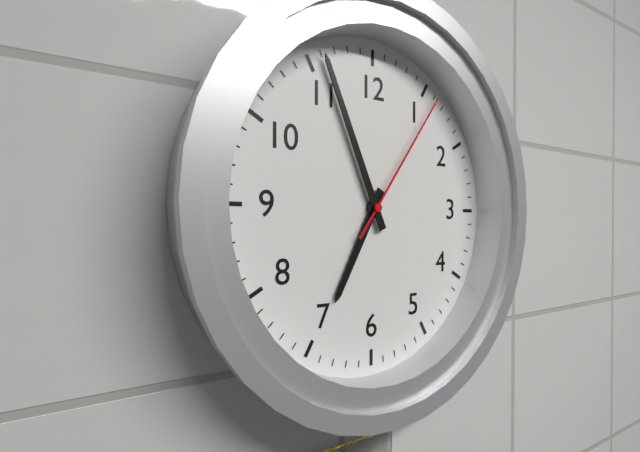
6:56:06
